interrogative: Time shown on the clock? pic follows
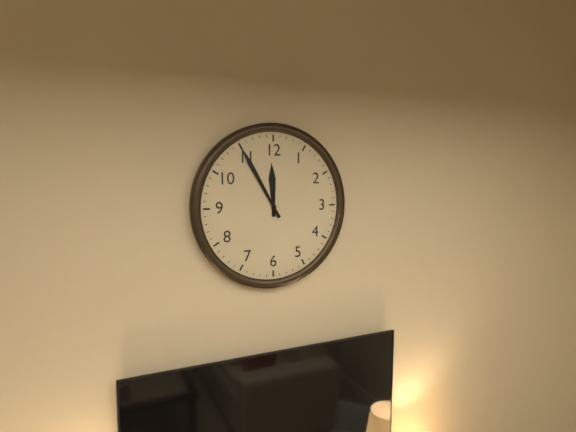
11:55
